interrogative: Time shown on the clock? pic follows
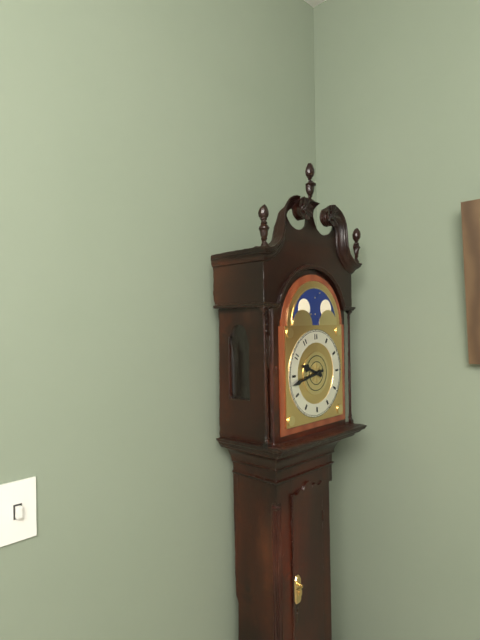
9:43
